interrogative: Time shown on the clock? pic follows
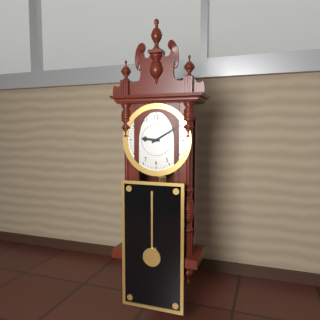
9:10
